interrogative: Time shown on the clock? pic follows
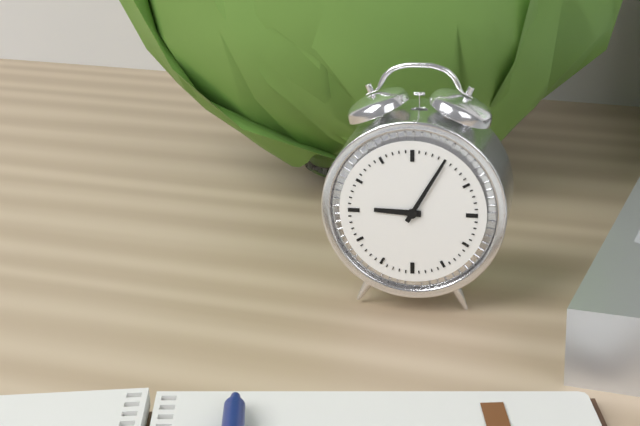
9:05
